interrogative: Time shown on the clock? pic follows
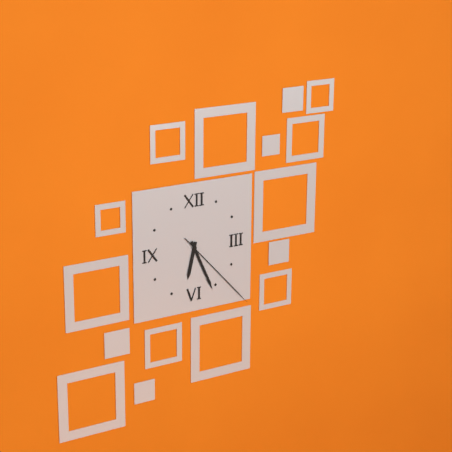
6:26:23
